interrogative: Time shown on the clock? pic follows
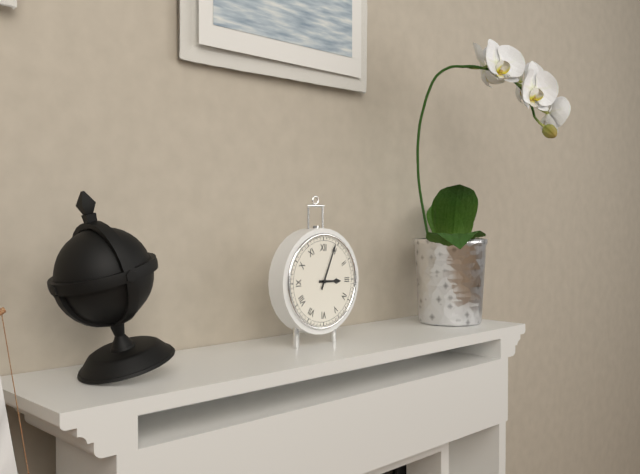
3:04
